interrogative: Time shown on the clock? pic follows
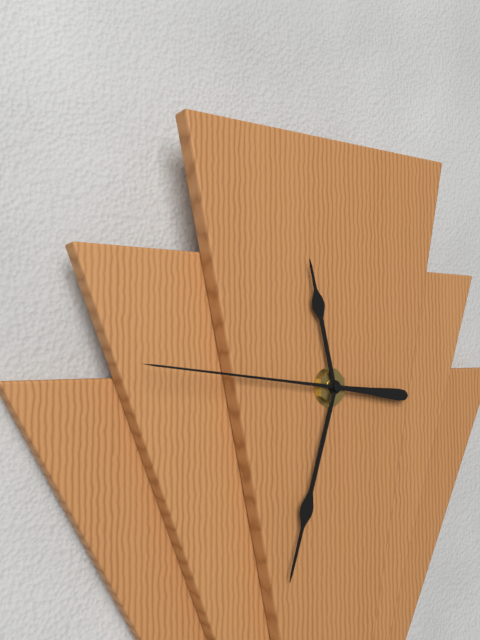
11:33:46
